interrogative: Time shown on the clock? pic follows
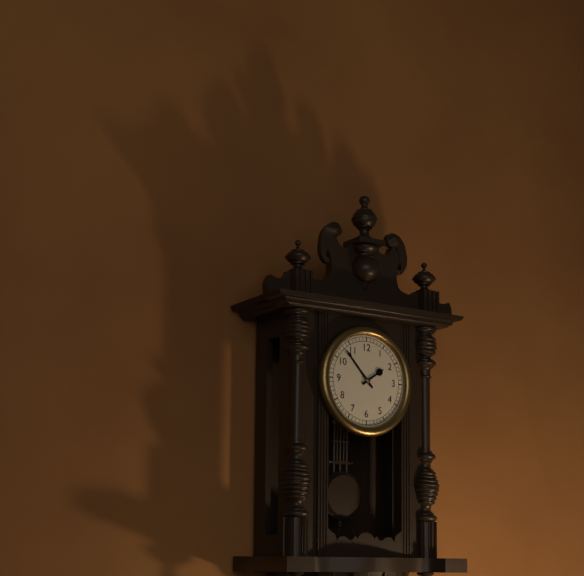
1:53
